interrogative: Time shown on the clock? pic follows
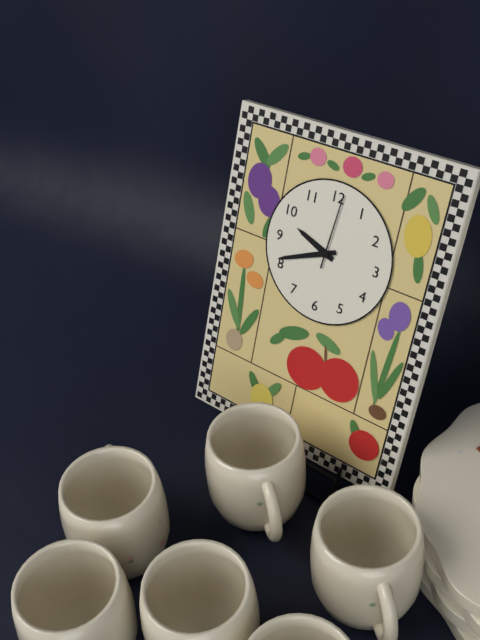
9:41:01
